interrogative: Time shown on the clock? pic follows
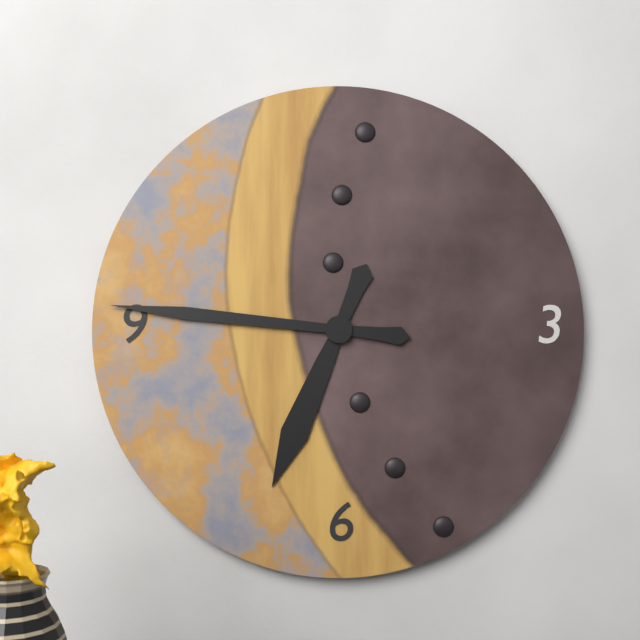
6:46
